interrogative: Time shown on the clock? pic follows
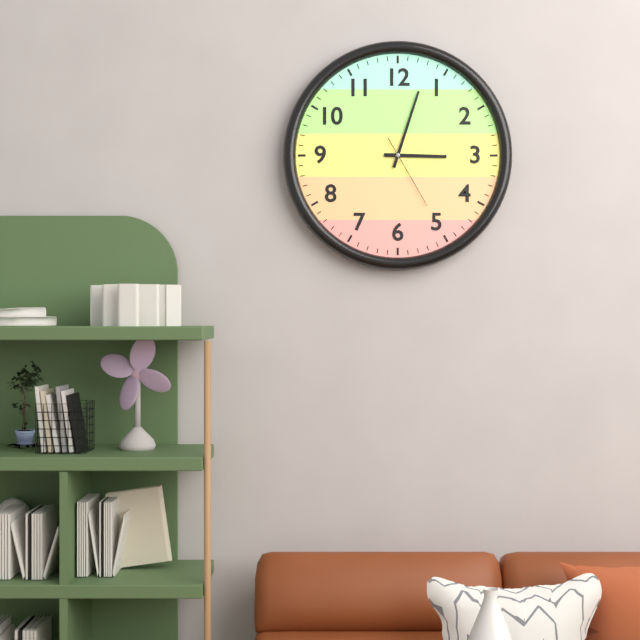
3:03:25
